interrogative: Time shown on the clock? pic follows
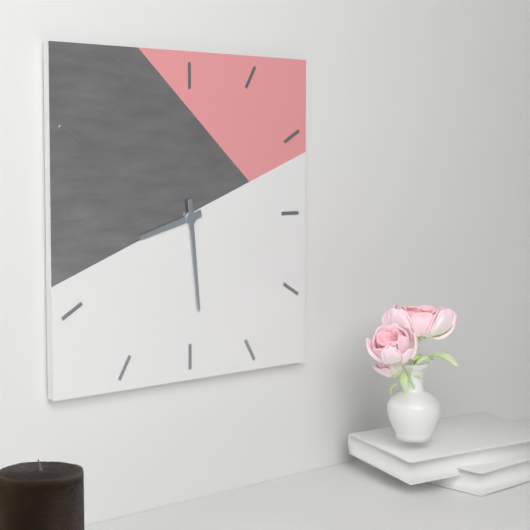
8:29
